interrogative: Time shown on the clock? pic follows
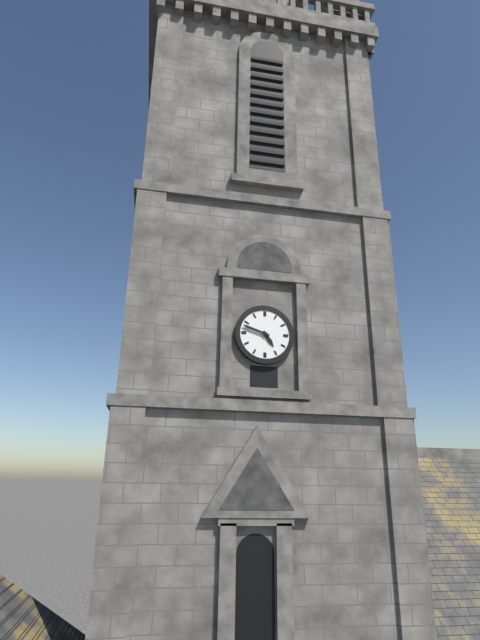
4:48
